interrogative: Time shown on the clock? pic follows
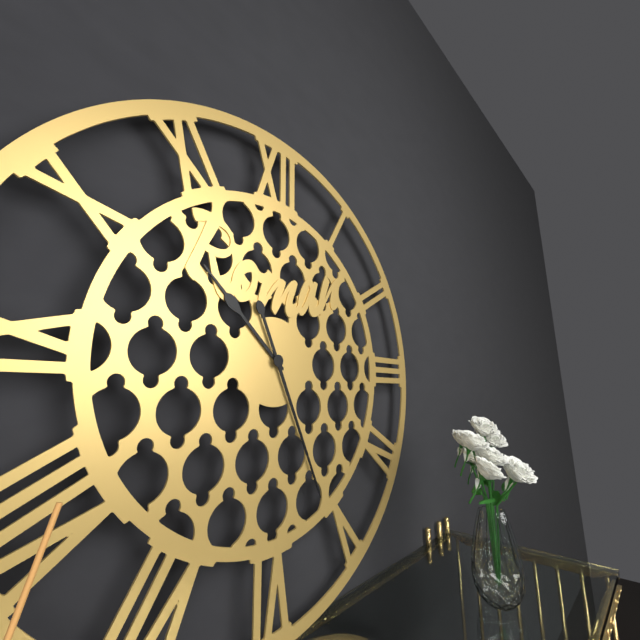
10:26
